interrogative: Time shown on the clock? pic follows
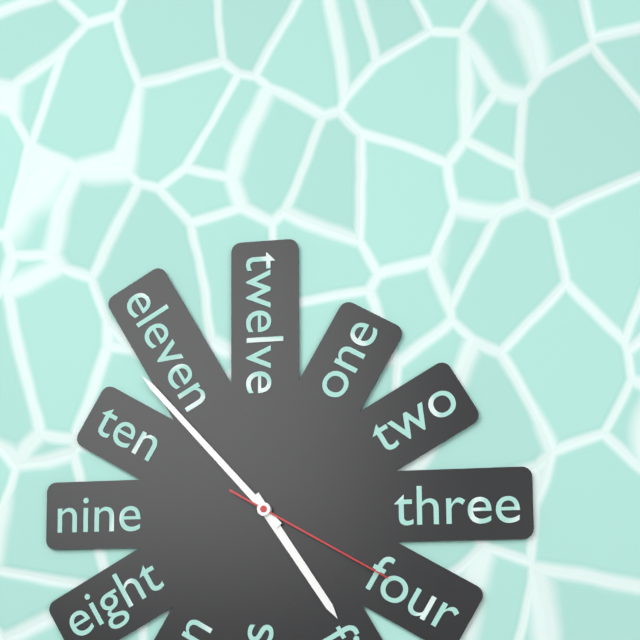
4:53:20
